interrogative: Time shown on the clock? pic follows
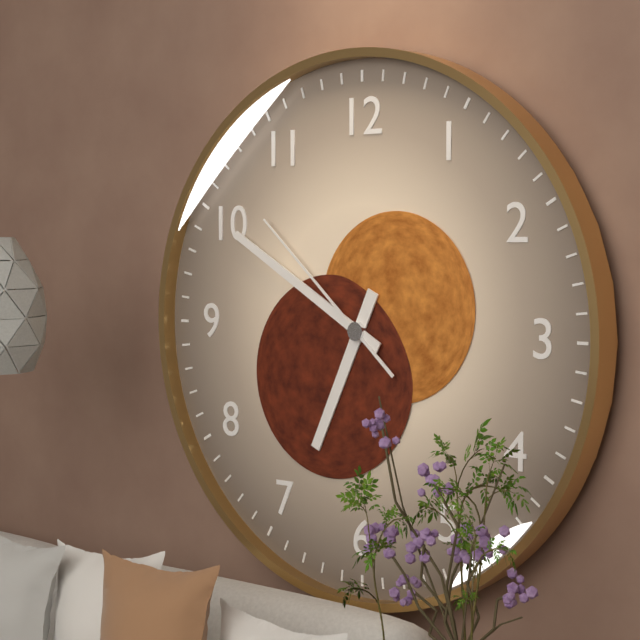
6:50:52
